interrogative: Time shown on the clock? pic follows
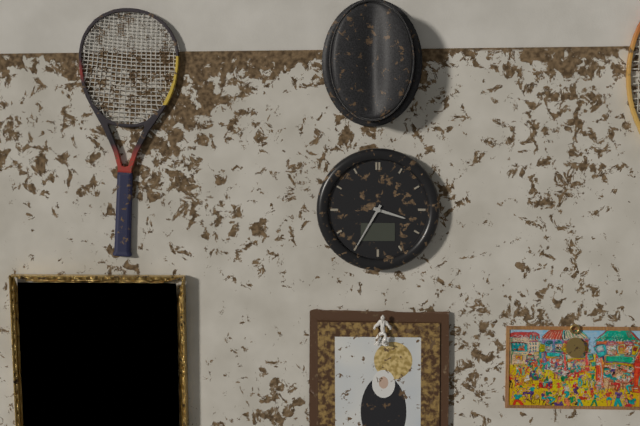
3:35
